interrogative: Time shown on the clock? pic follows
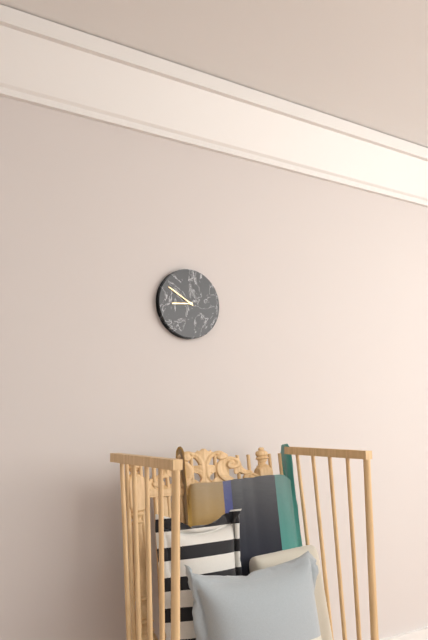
8:50
